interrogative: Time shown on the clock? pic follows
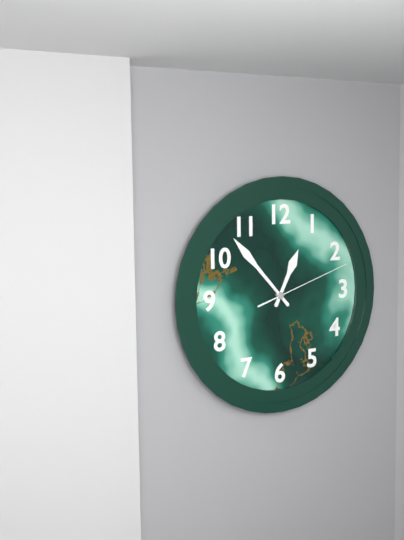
12:53:12
